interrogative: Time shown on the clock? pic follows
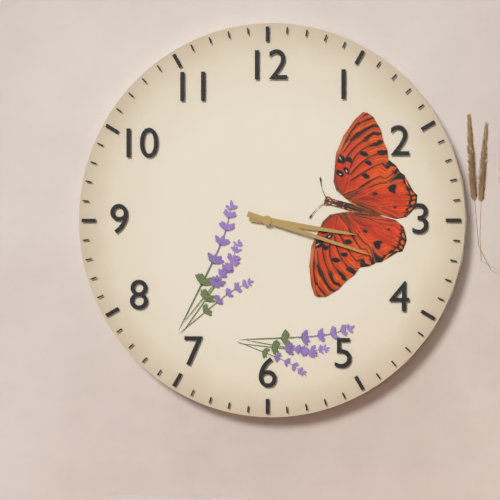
3:18
